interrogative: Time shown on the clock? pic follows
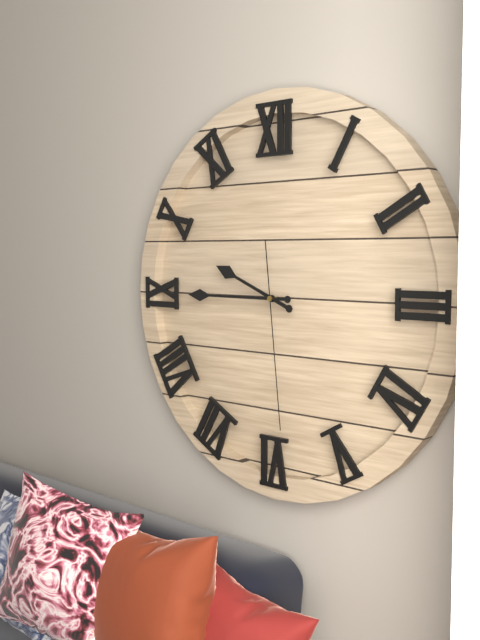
9:45:29
